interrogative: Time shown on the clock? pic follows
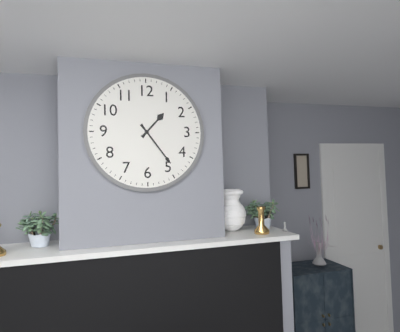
1:24
